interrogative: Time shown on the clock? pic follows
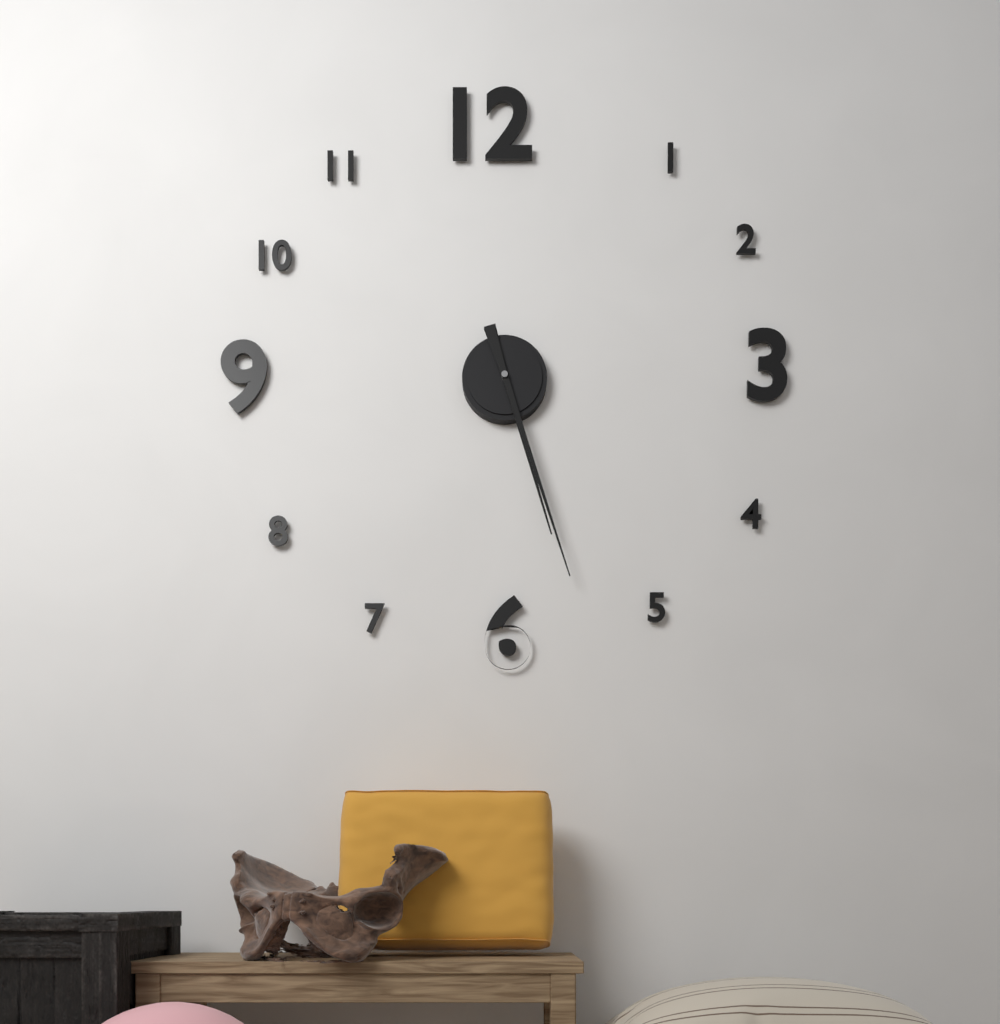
5:27
